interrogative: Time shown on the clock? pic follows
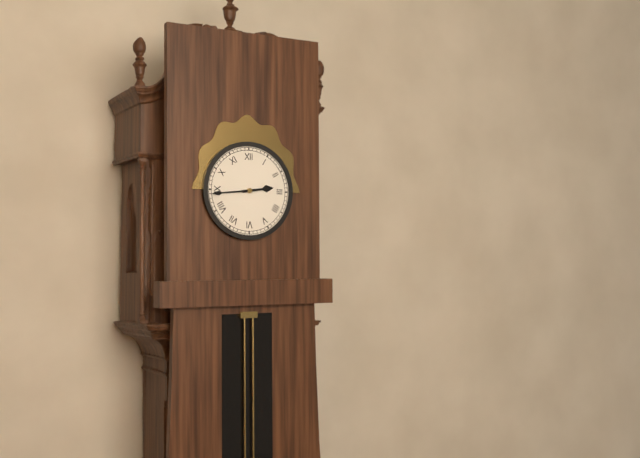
2:44
